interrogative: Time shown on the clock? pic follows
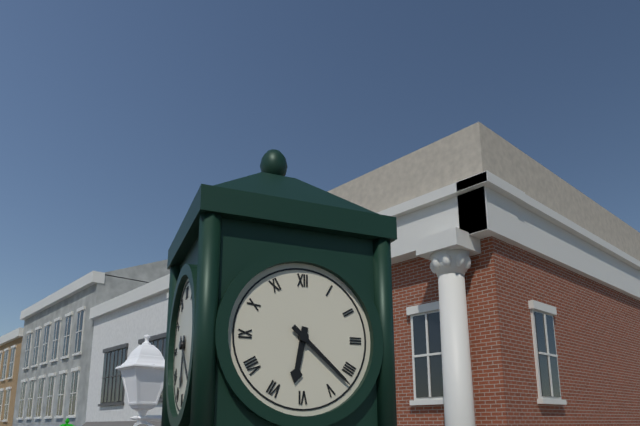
6:22
